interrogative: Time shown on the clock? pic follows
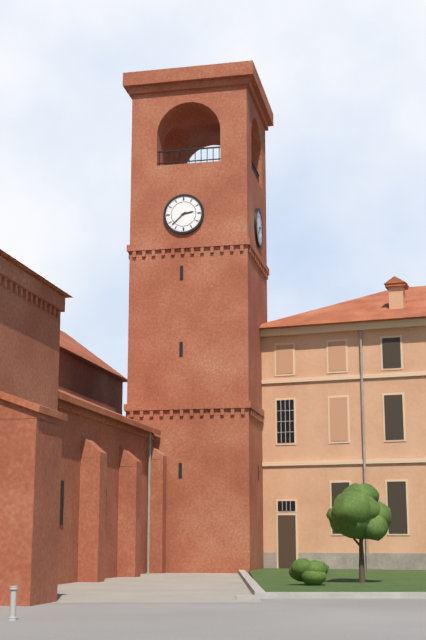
2:38
